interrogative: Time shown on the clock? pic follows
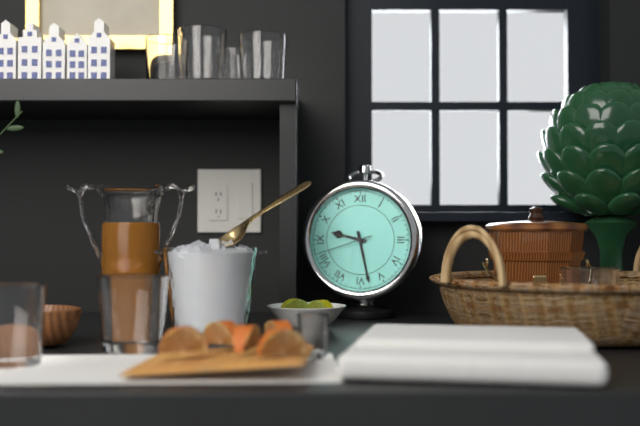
9:28:42
